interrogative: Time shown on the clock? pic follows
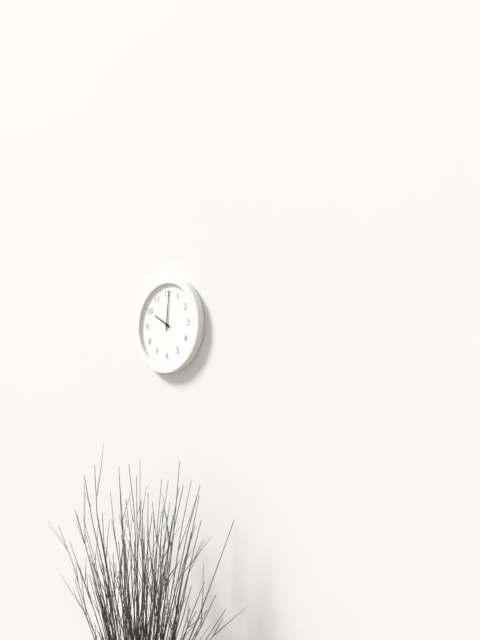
10:01
